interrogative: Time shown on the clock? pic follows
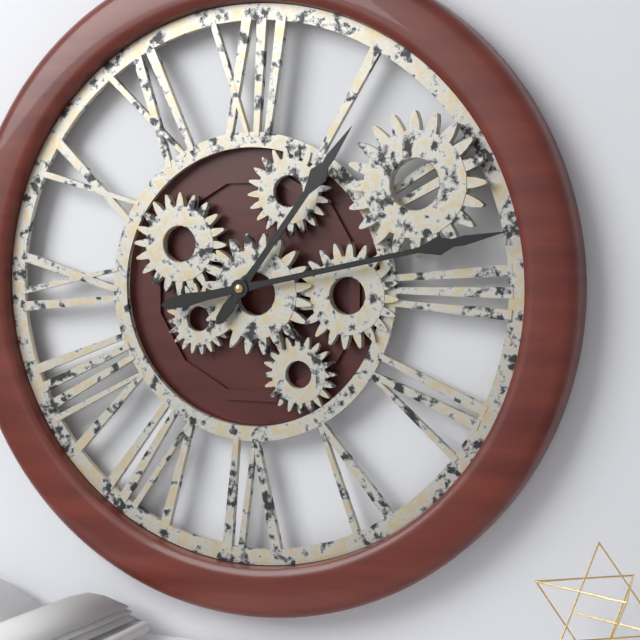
1:13
